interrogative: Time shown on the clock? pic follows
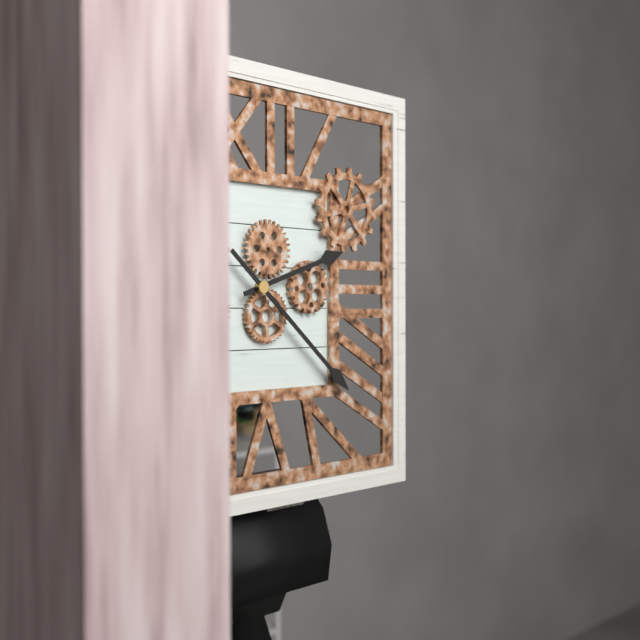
2:22
